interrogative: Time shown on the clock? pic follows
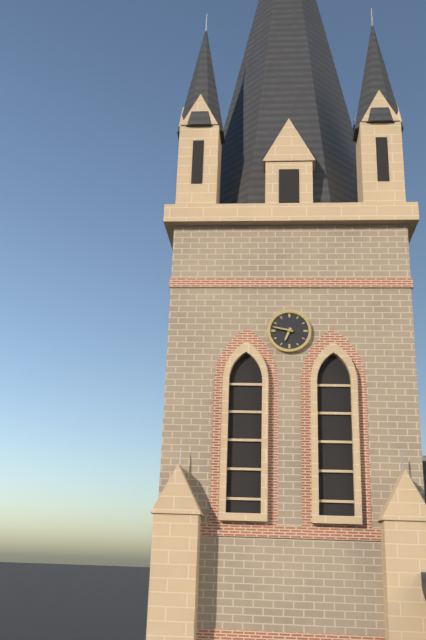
6:47
